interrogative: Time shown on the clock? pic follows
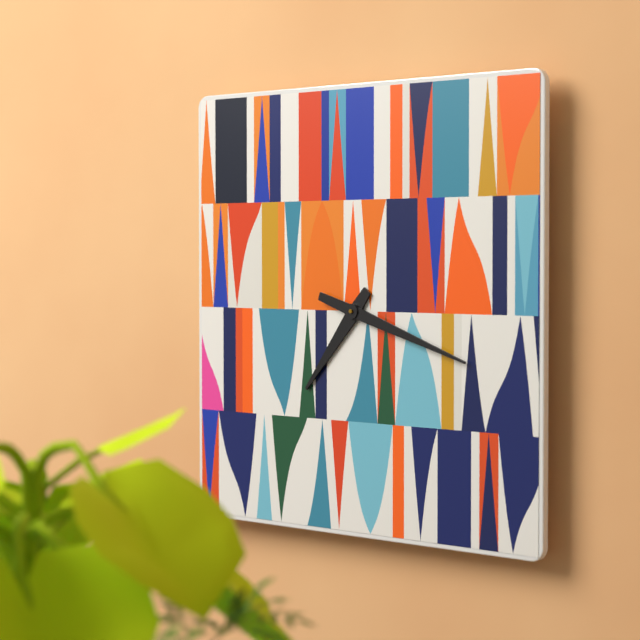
7:18
